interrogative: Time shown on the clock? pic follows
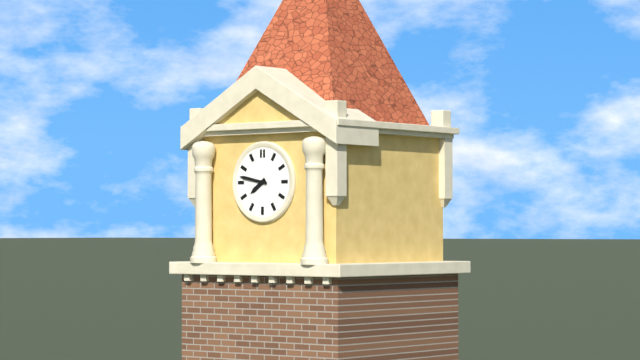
7:47
